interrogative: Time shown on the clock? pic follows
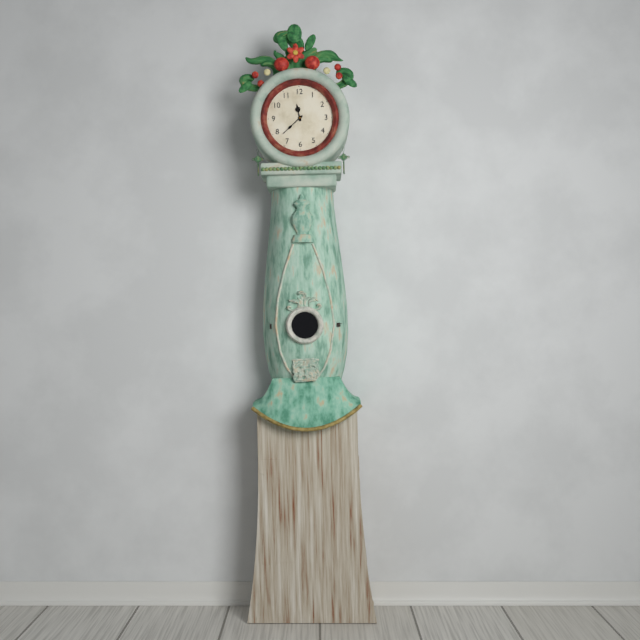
11:38
